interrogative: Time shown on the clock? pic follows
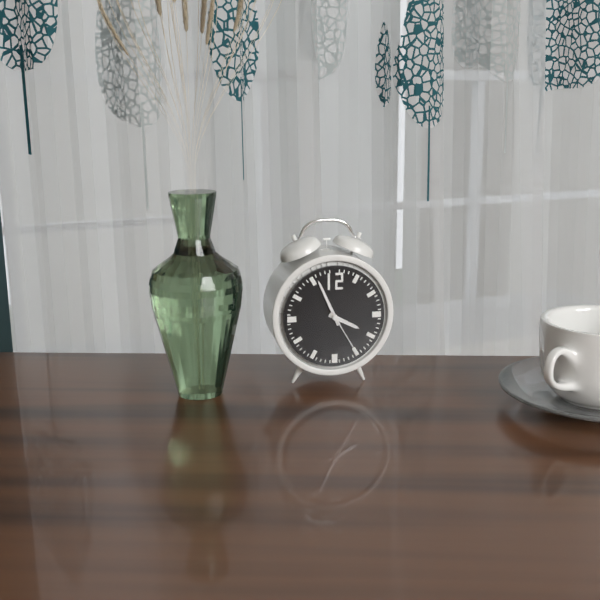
3:56:25
